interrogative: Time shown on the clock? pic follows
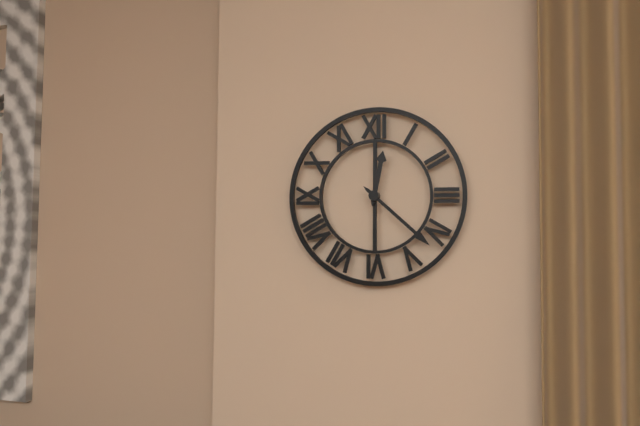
12:22
